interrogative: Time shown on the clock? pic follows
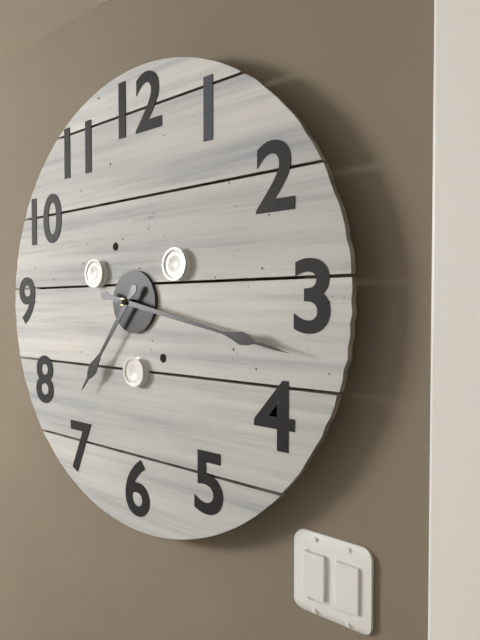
7:17
